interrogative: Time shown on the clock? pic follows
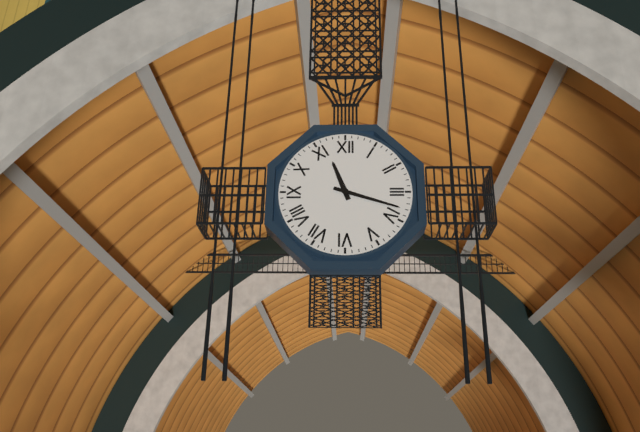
11:18
